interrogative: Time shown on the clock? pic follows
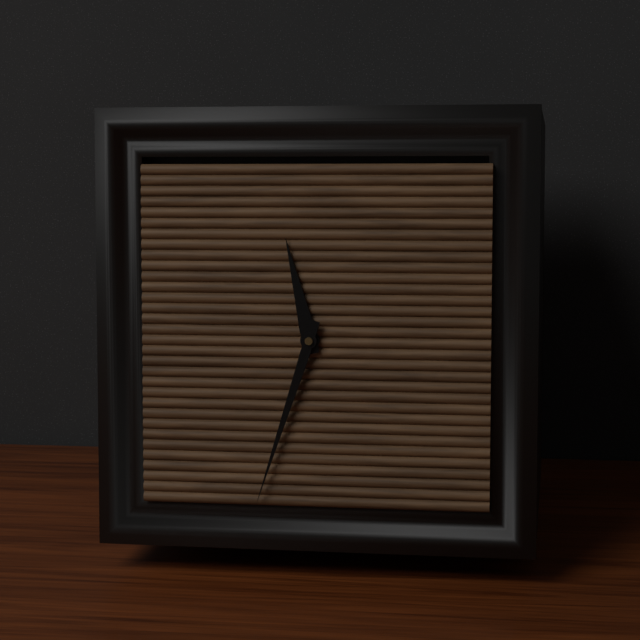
11:33
